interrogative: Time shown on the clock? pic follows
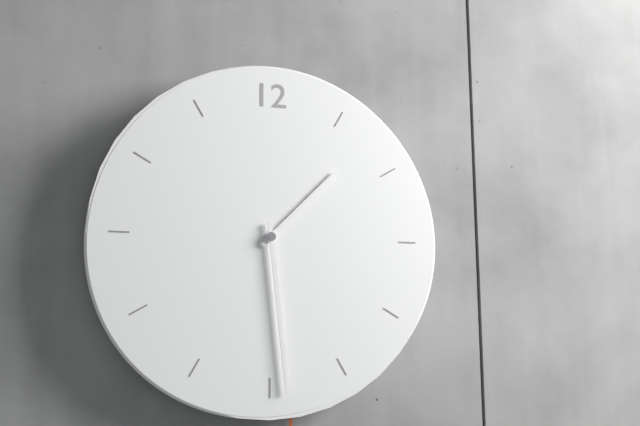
1:29
